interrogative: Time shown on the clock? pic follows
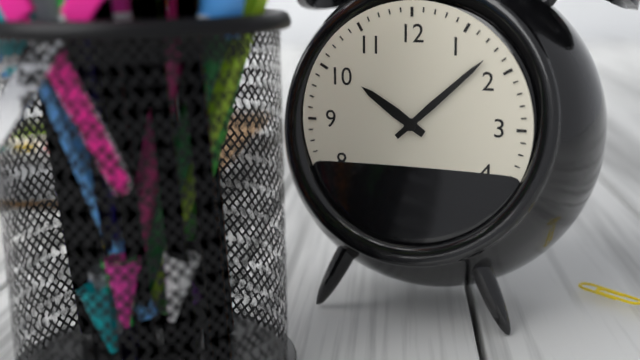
10:08
